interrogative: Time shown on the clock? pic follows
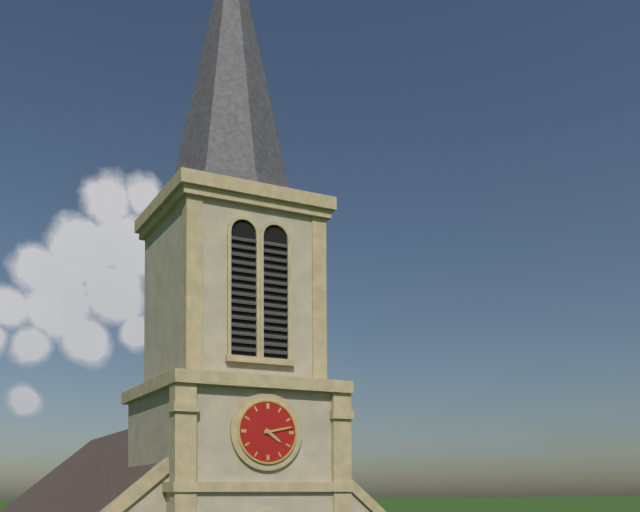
4:13
